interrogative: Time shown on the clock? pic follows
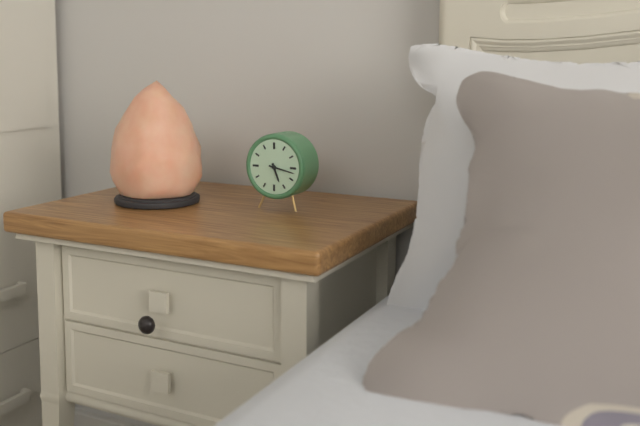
5:17
